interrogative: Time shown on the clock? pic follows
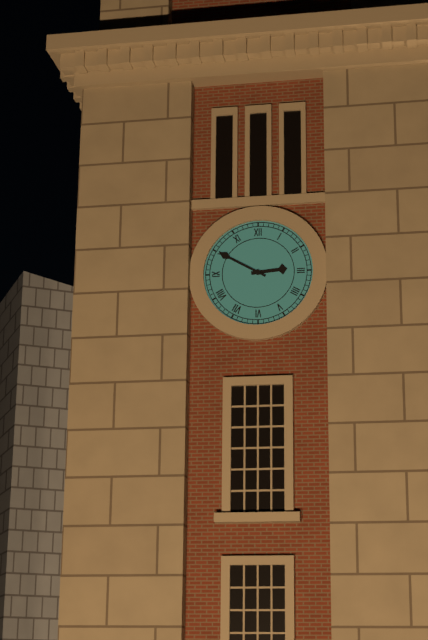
2:50
